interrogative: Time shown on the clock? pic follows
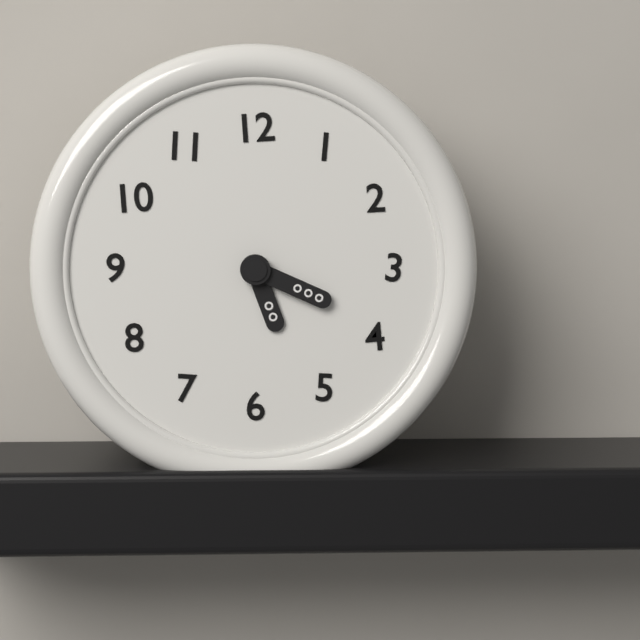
5:19
